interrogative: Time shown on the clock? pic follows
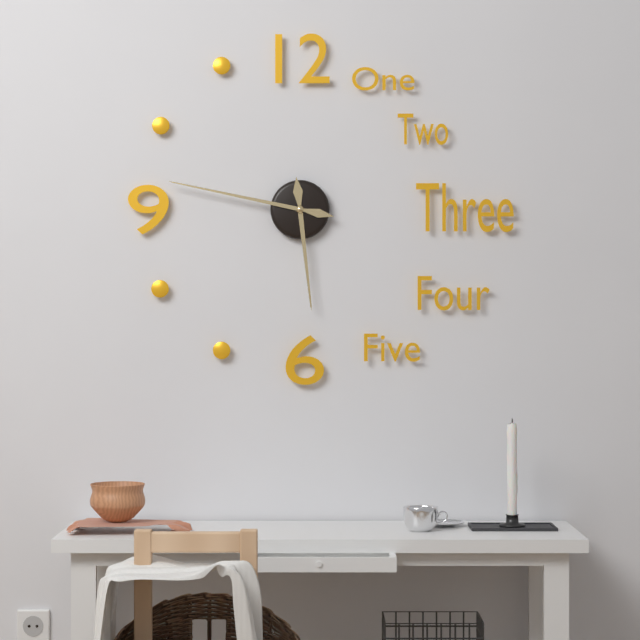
5:47
